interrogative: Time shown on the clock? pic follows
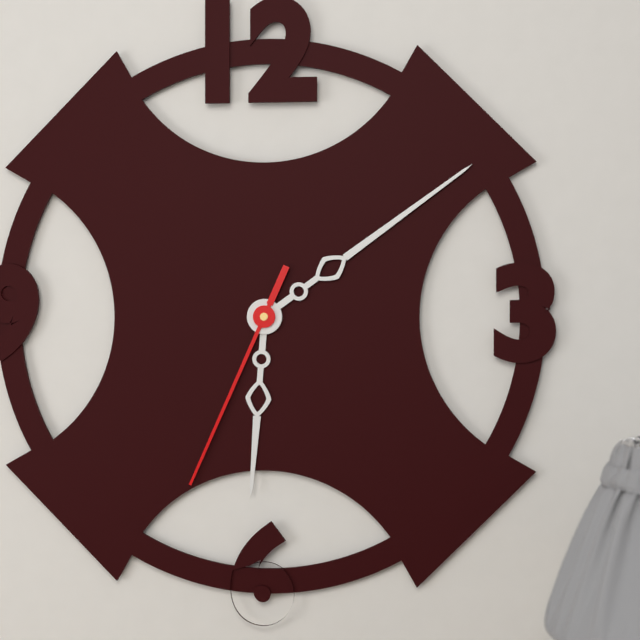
6:09:34
